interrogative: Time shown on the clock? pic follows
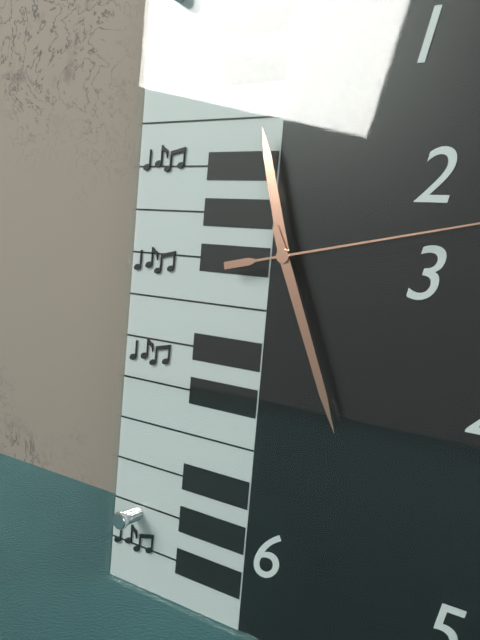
11:26
